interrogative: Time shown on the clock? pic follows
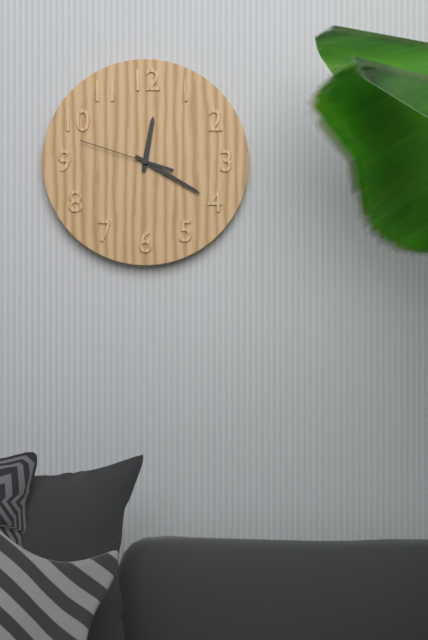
12:20:48
